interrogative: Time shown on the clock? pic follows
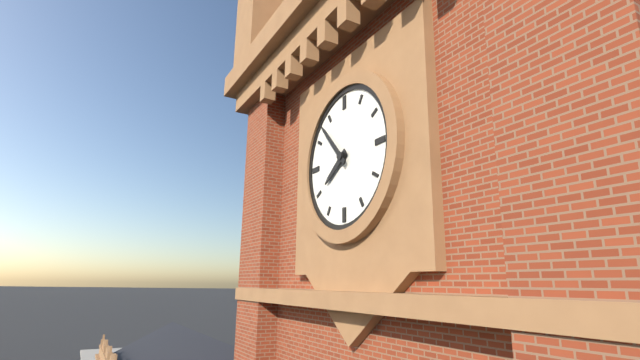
7:53
